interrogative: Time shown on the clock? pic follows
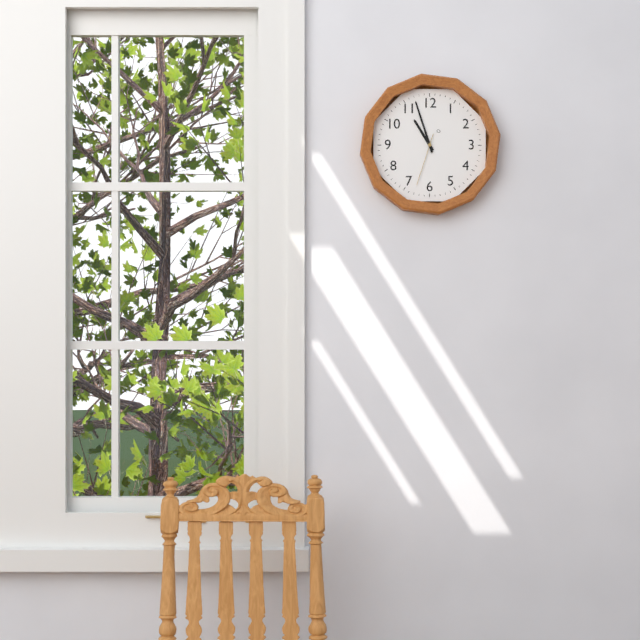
10:57:33
